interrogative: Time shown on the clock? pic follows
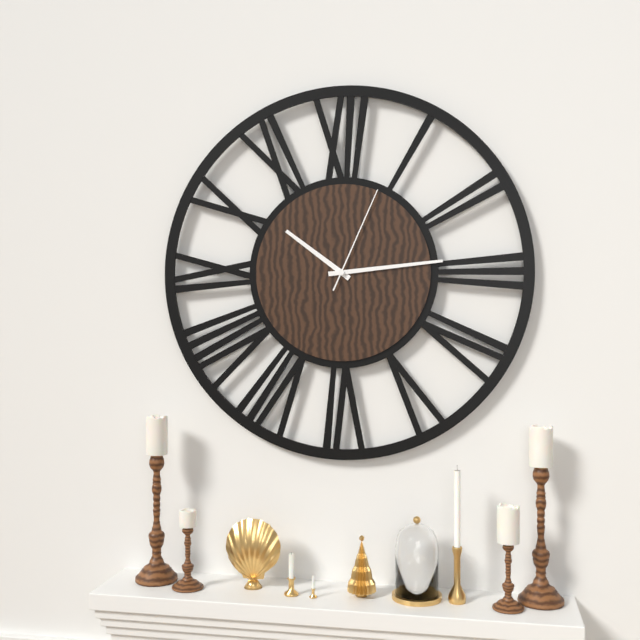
10:14:04
